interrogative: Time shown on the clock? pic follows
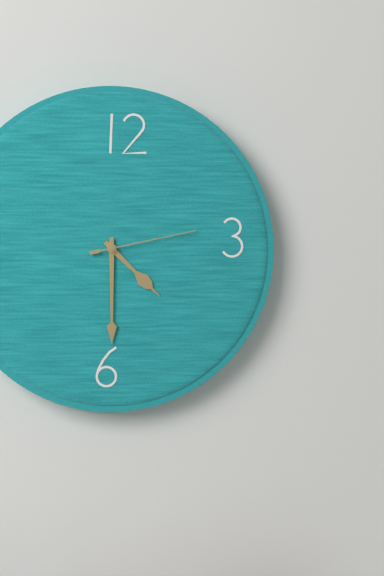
4:30:13
